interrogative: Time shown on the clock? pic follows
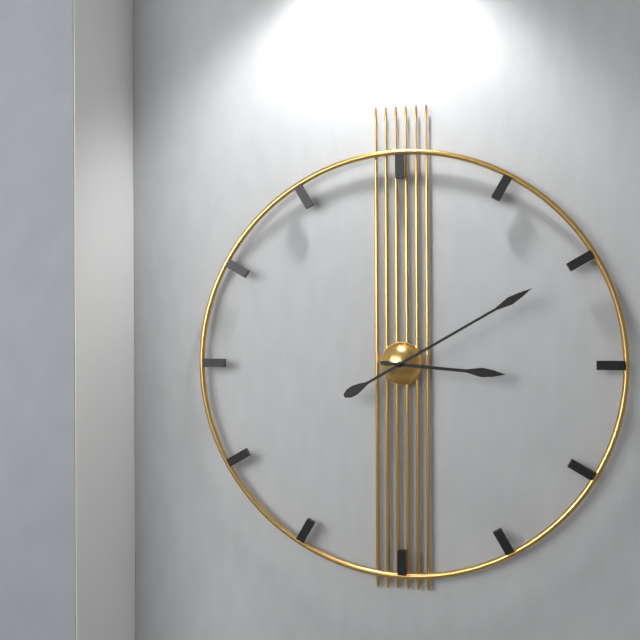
3:10
